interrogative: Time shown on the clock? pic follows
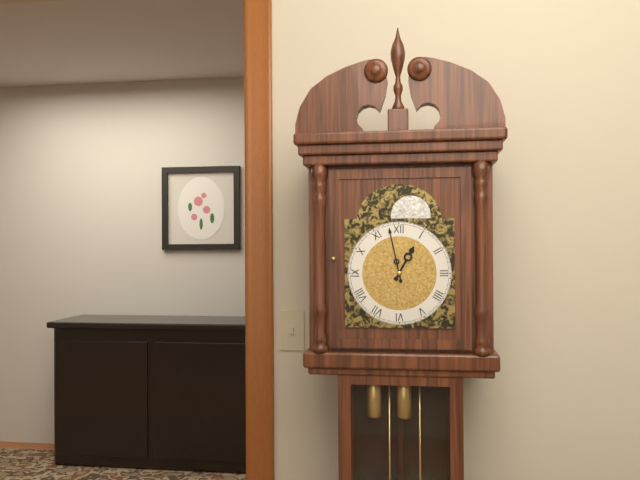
12:58
